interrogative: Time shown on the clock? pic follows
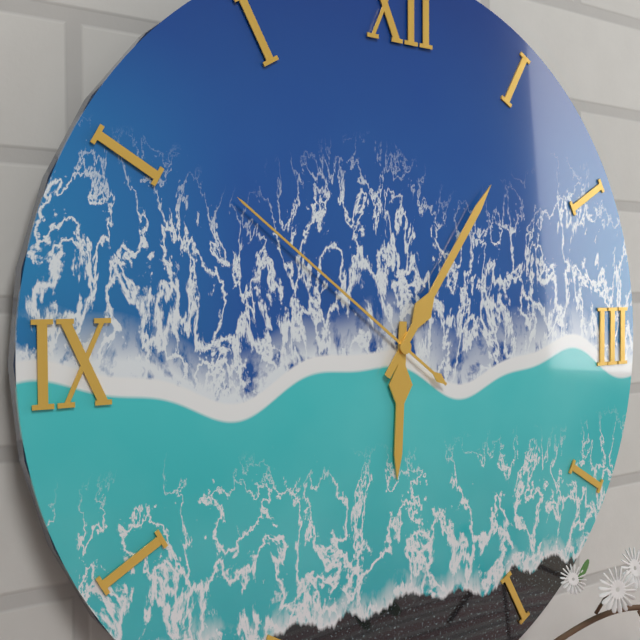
6:06:51
